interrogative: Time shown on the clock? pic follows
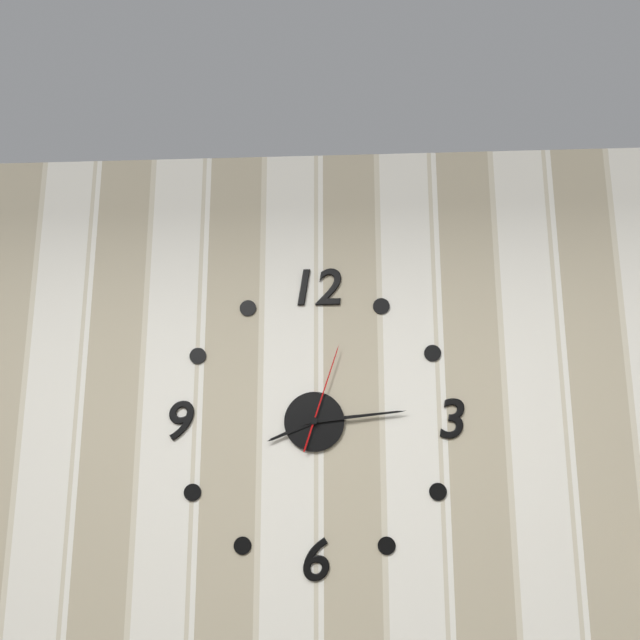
8:14:03
